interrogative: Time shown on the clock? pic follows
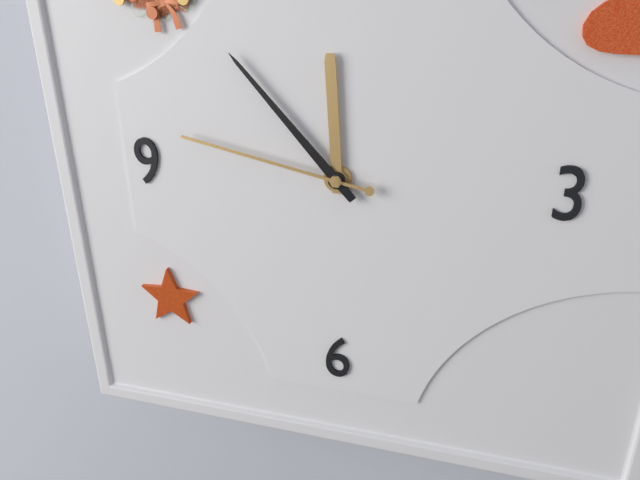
11:53:47
